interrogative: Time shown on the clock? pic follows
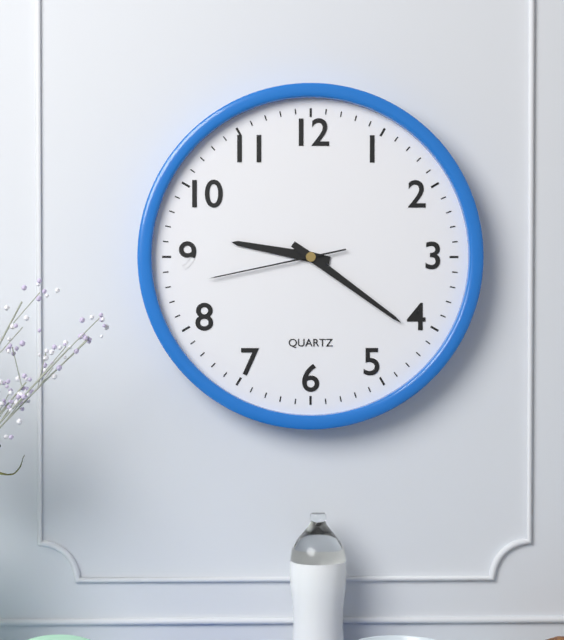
9:21:43
